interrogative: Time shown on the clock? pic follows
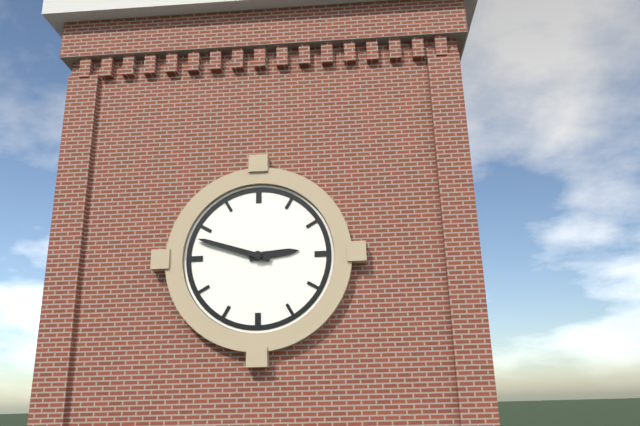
2:48
